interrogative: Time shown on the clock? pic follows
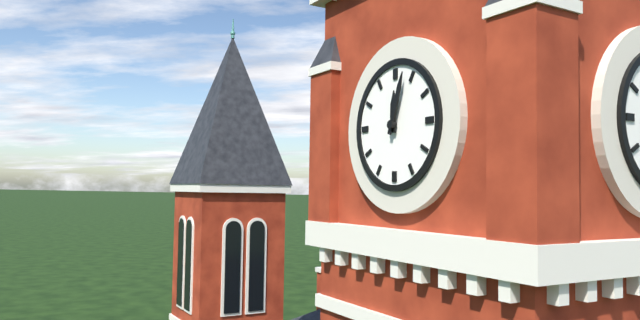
12:03
